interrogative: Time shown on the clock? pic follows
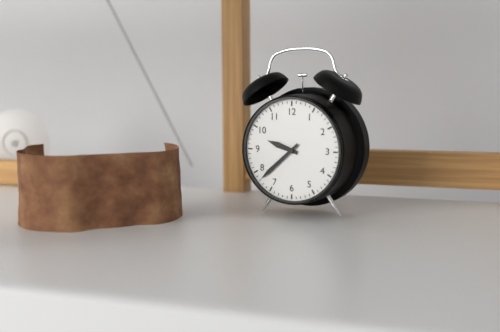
9:38
